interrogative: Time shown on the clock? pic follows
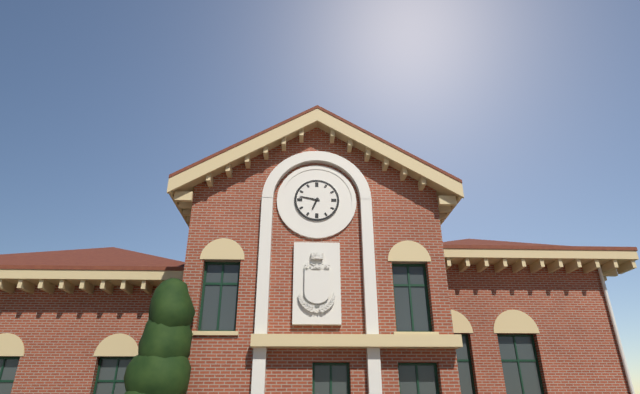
6:47
